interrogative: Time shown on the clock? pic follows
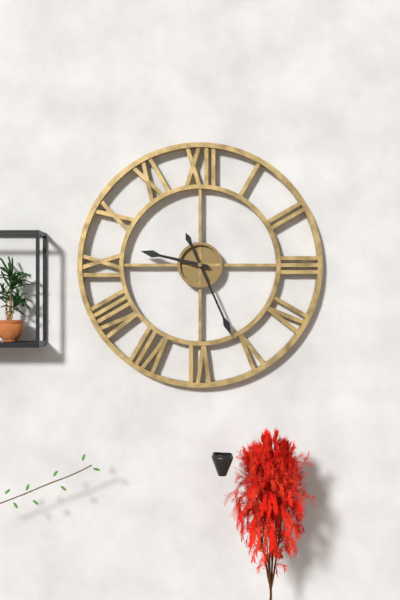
9:26
